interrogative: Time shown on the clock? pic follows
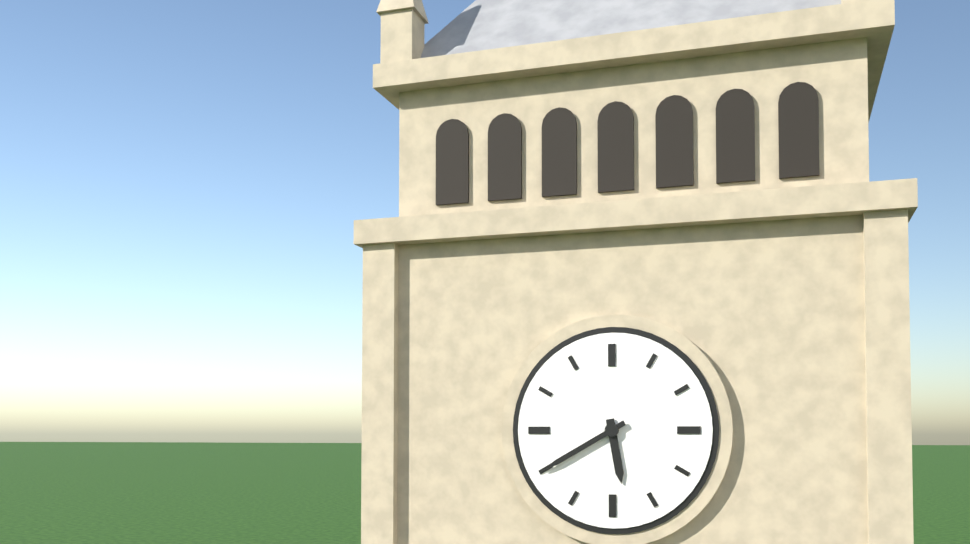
5:40
